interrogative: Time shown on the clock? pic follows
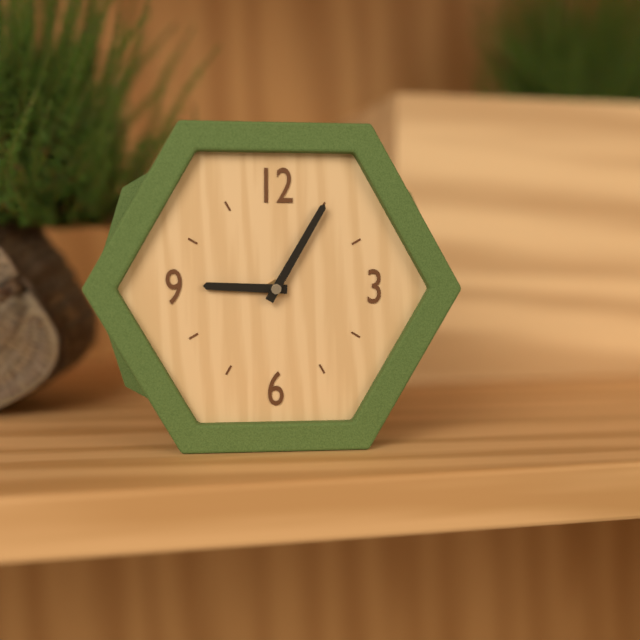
9:05
